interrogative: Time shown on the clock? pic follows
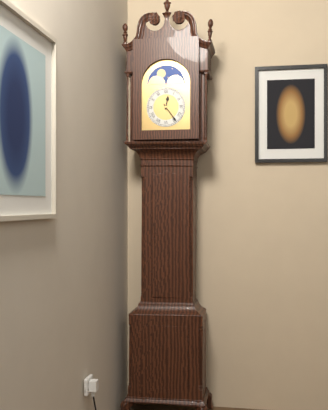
12:24
